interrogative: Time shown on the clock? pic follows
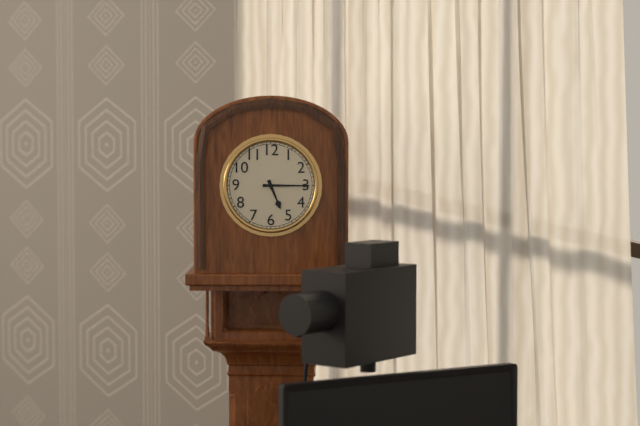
5:15
